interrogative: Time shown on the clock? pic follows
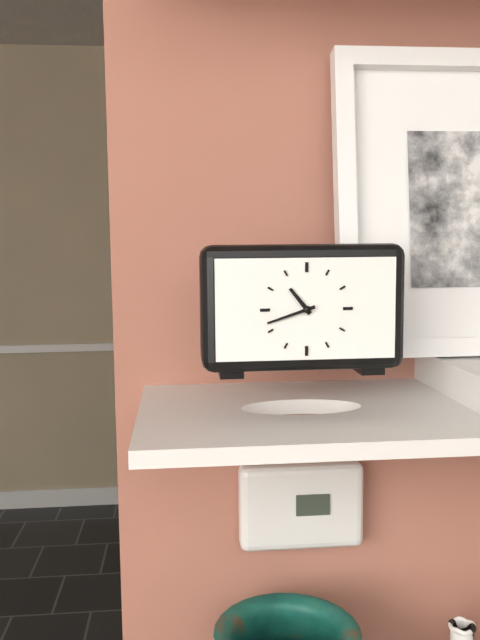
10:42
